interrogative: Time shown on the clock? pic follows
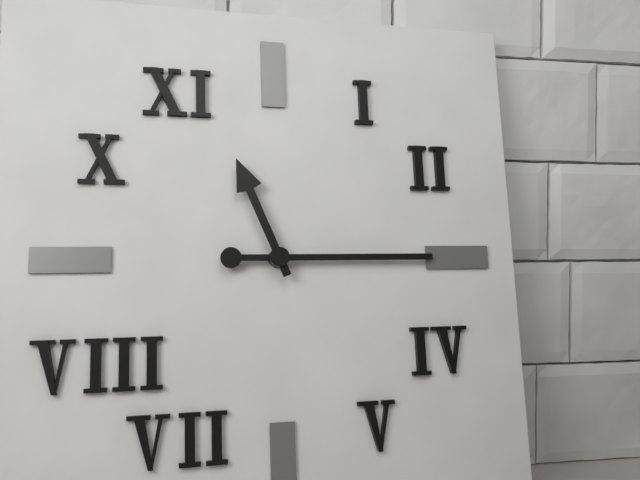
11:15
